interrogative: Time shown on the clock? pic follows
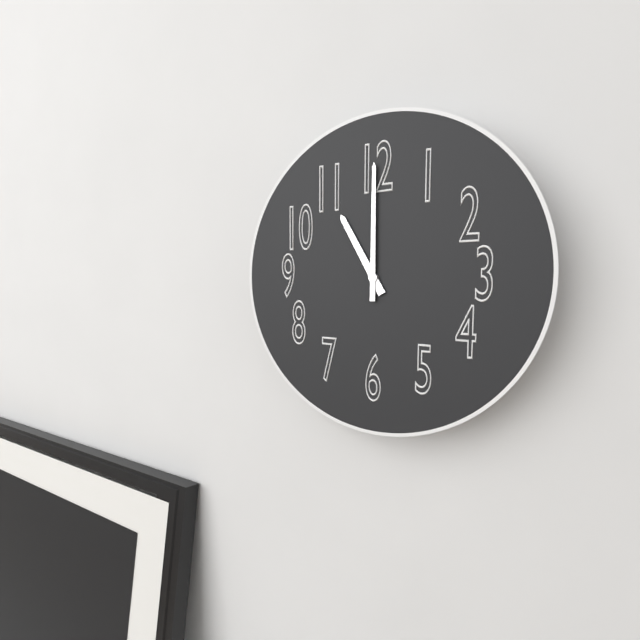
11:00
